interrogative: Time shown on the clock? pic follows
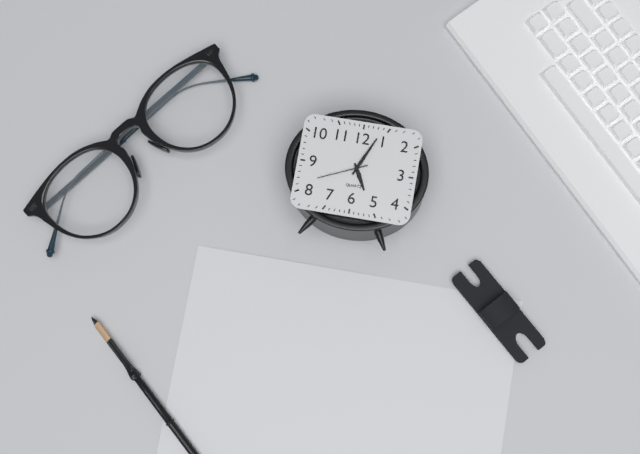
5:04:41
